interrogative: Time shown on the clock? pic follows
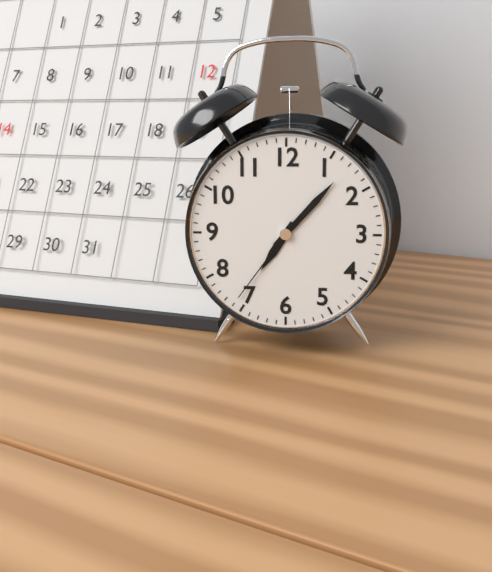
7:07:36
